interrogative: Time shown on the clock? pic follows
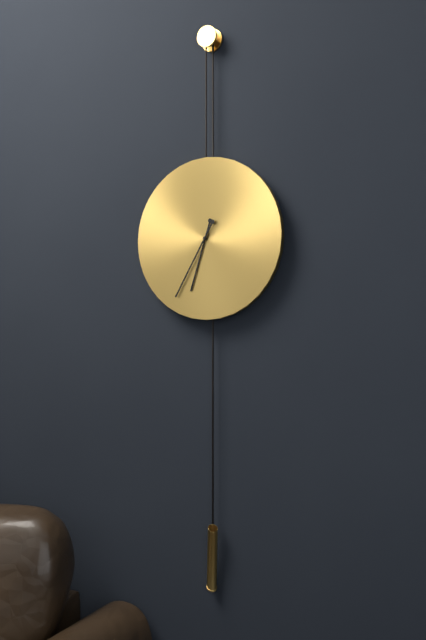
6:35
